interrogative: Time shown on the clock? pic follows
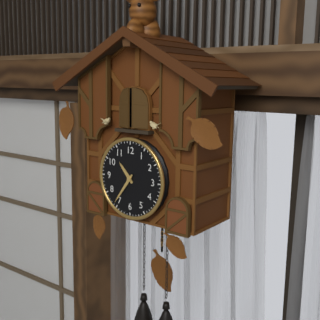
10:36
